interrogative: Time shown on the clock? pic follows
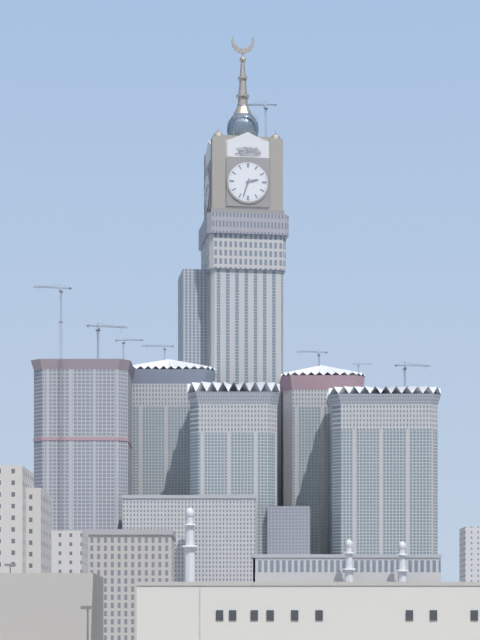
2:33
